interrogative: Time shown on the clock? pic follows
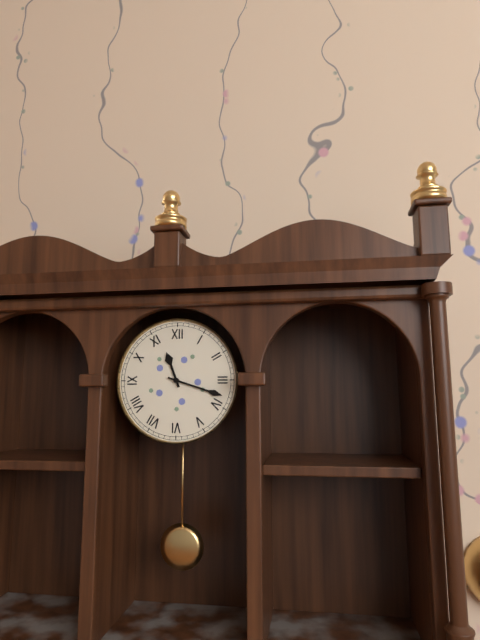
11:18
